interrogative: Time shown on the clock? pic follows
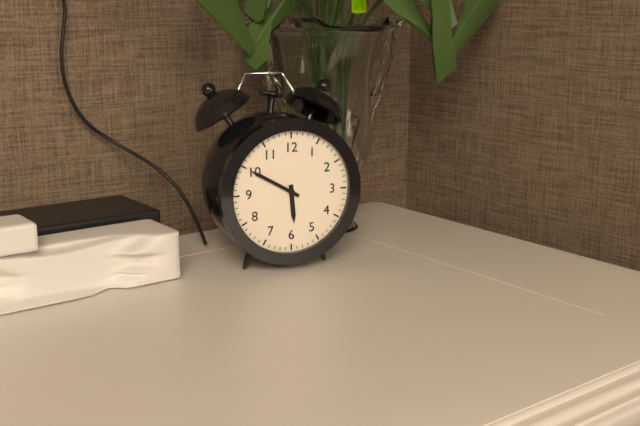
5:50
